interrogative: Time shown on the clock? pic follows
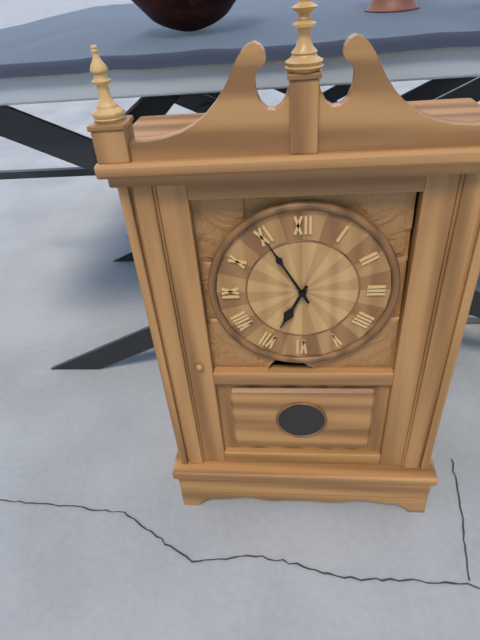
6:55
